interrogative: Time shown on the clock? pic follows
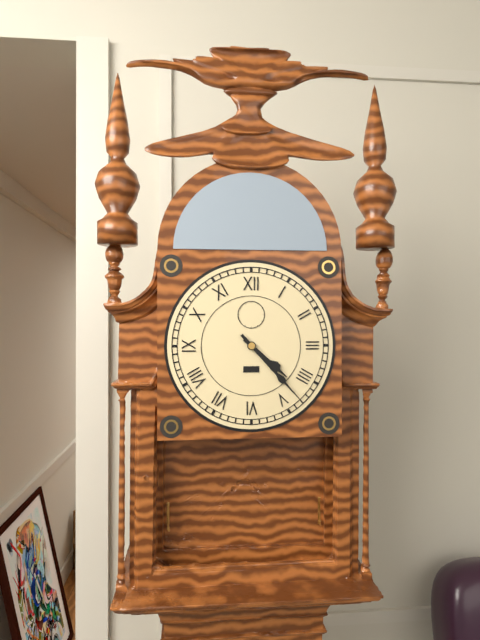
4:23
